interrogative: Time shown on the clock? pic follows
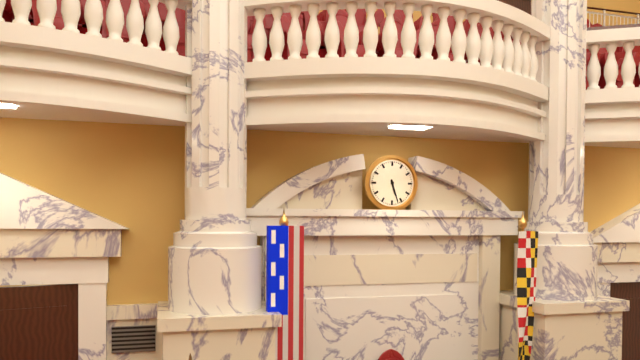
5:27
